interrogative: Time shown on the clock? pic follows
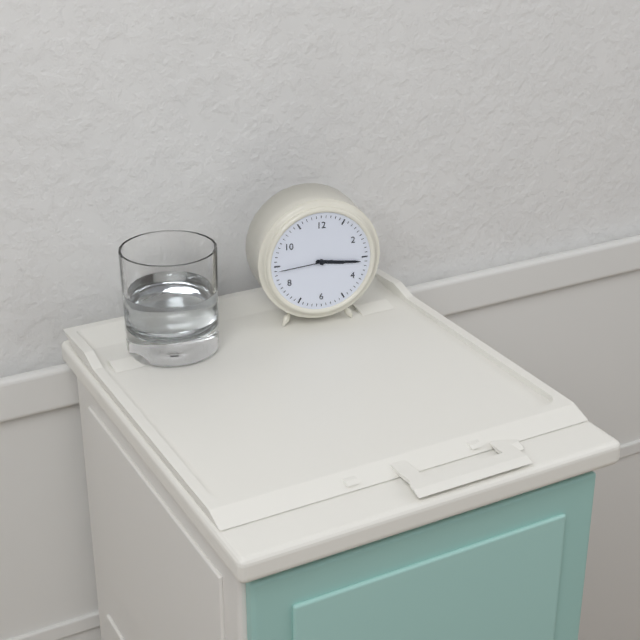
3:16:44
